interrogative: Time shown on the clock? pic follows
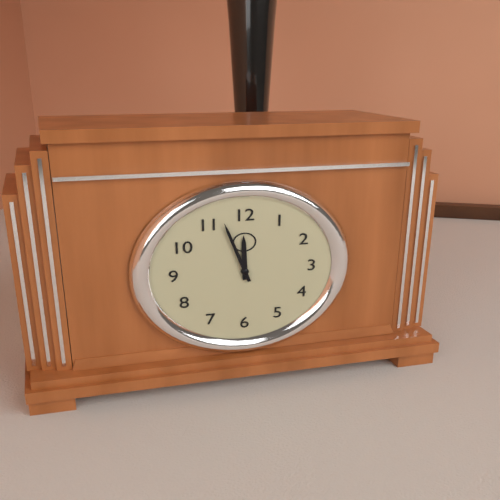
11:57
